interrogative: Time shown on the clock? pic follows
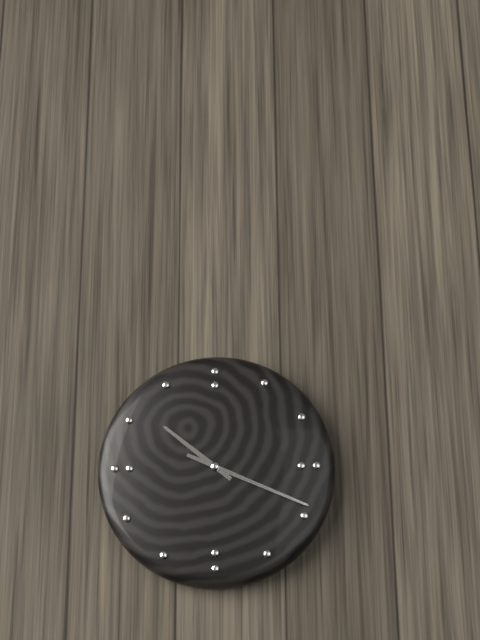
10:19
